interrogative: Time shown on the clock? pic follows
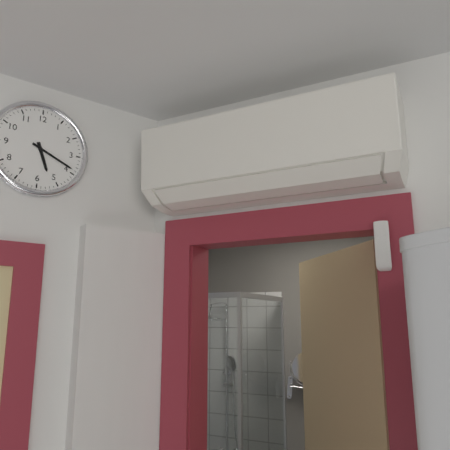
5:19
